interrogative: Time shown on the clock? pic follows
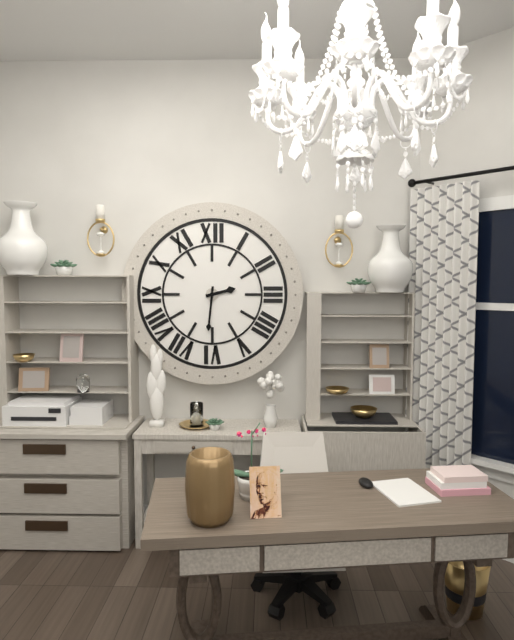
2:31
